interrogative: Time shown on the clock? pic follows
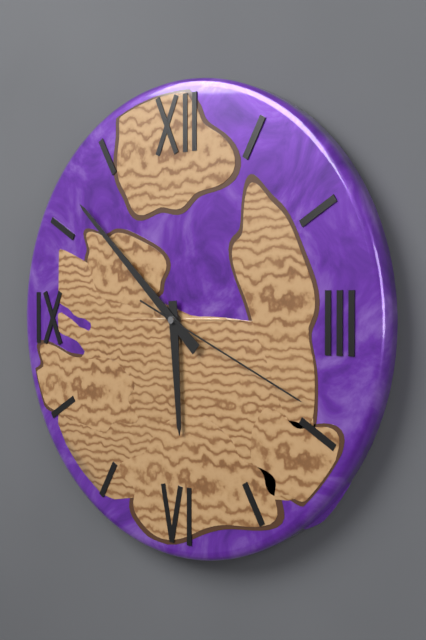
5:52:19
